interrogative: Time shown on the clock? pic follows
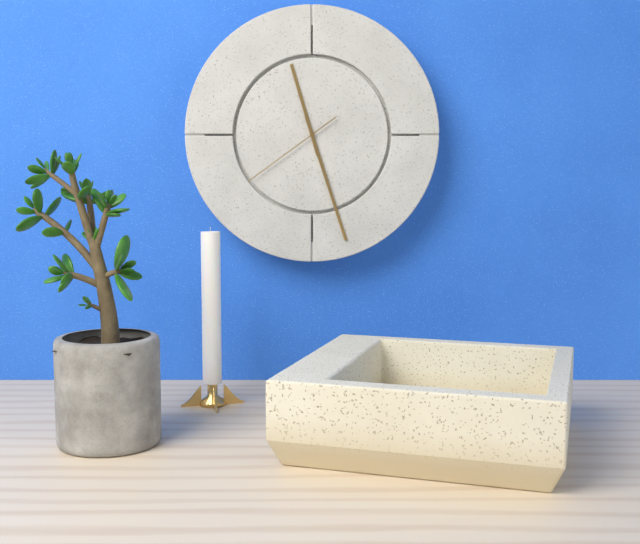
11:27:39
